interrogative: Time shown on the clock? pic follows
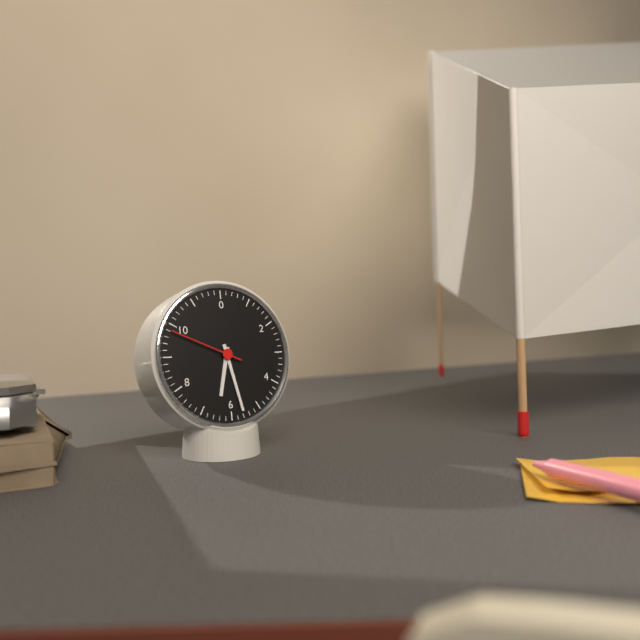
6:28:49
